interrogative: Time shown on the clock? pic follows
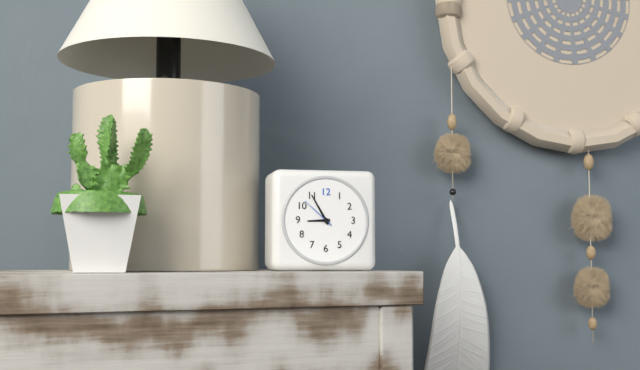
8:55
